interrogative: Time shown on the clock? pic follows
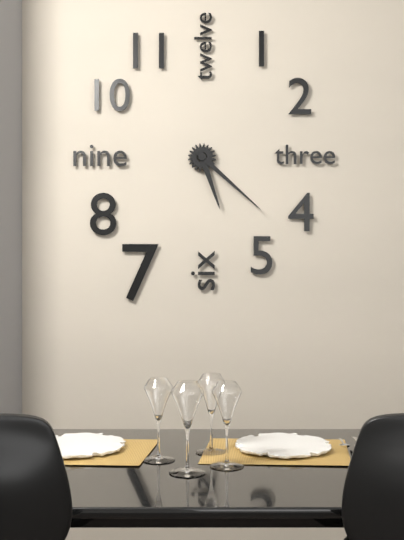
5:22
